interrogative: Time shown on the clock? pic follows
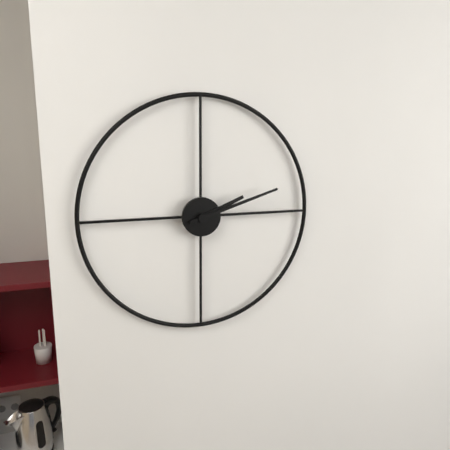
2:12
